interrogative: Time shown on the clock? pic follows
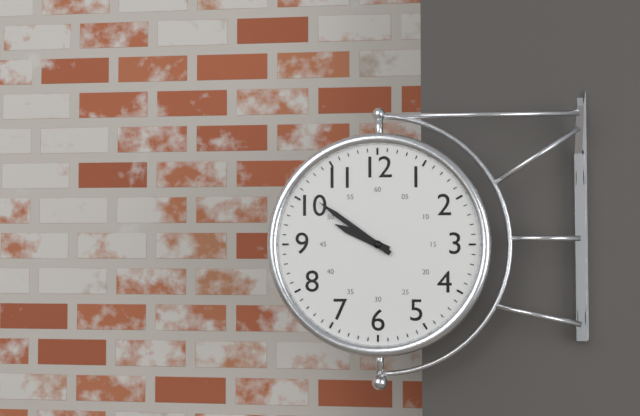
9:51
